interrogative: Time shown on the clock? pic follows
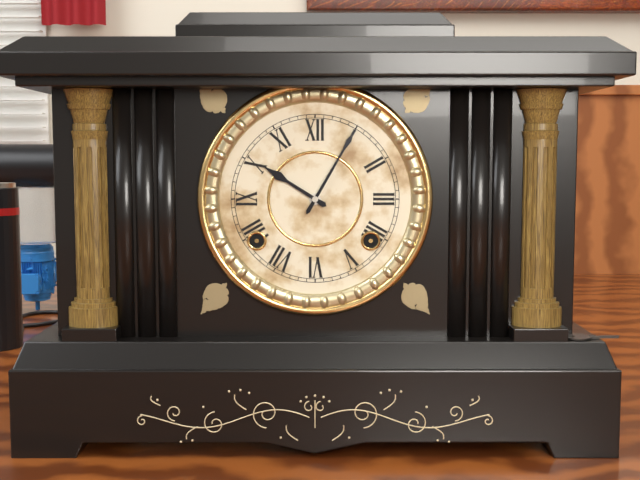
10:05
